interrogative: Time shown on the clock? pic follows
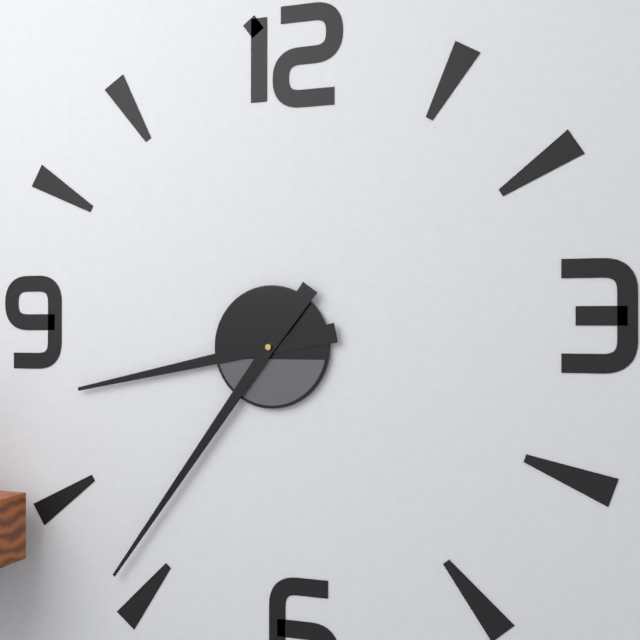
8:36
